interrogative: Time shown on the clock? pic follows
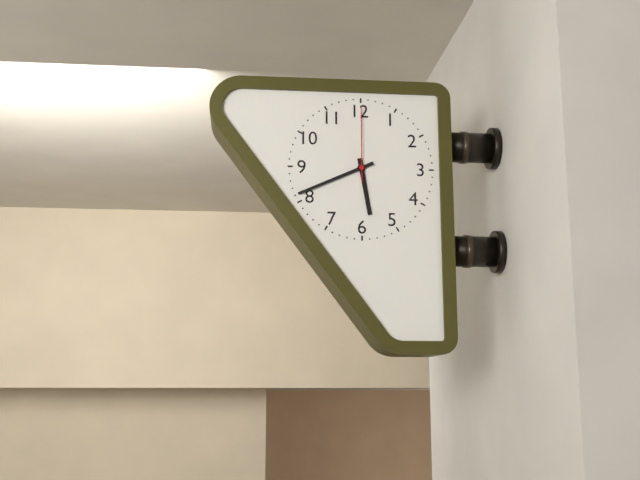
5:41:00
